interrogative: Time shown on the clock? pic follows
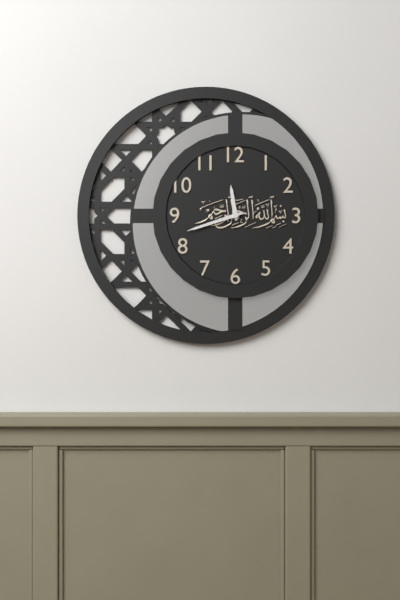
11:42
